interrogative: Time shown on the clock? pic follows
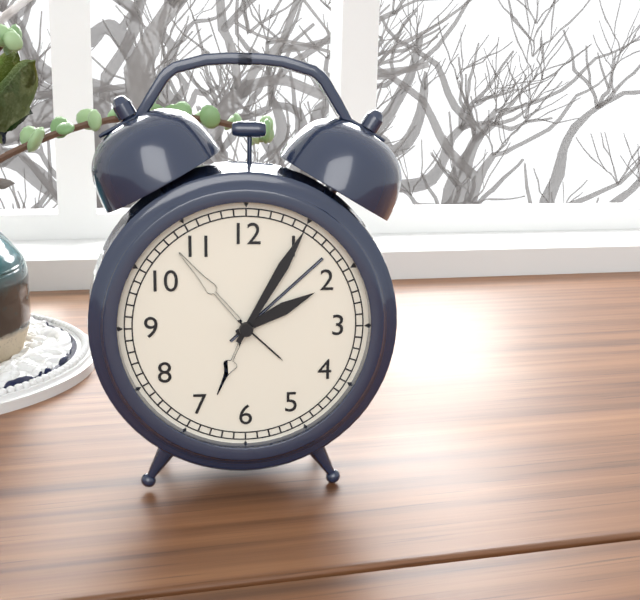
2:05
